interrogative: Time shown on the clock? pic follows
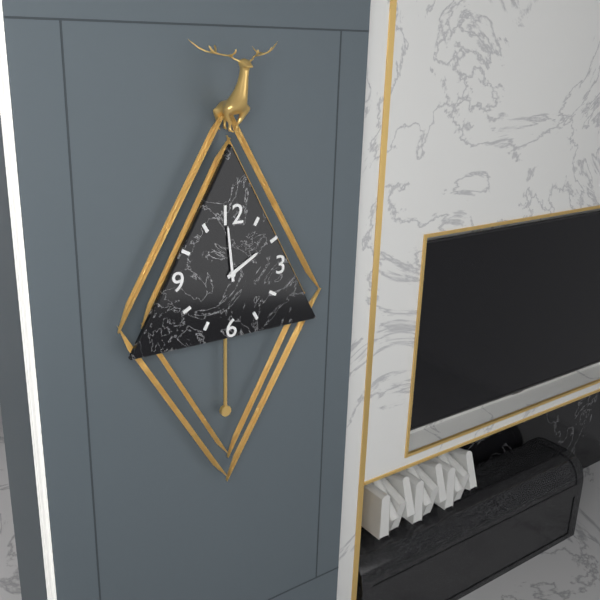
1:59
